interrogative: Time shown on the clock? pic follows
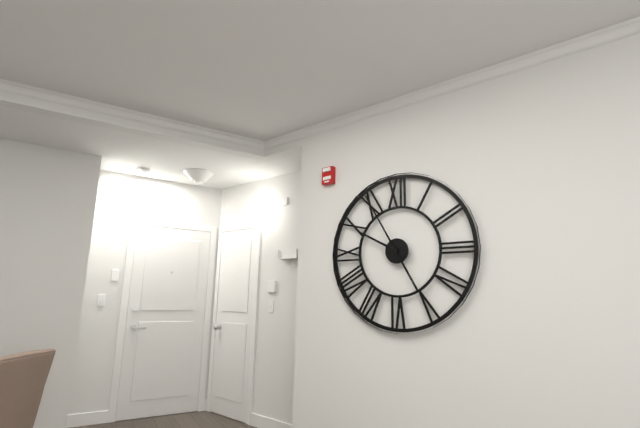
9:55
